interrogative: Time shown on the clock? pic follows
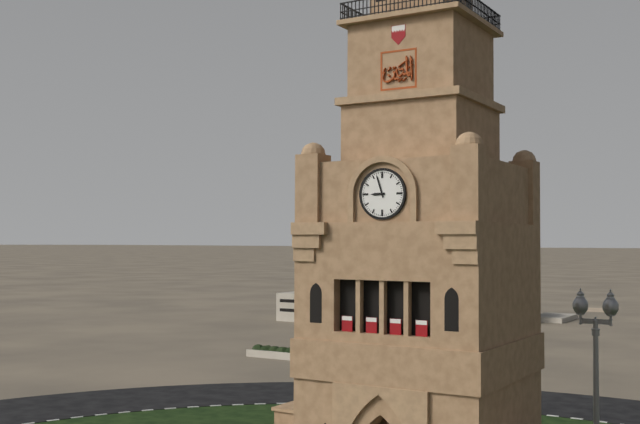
8:57
